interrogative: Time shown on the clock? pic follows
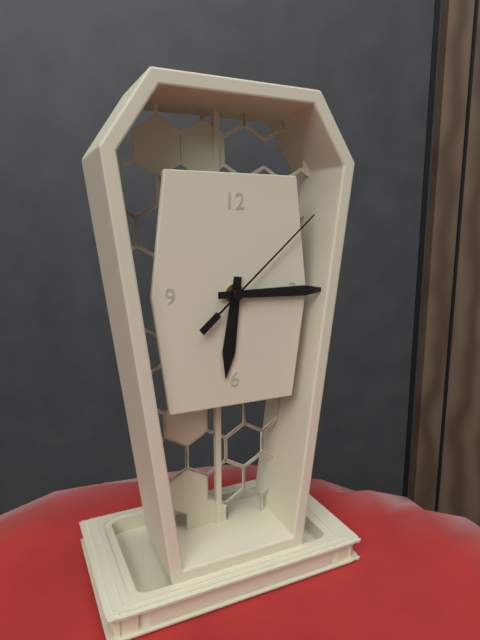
6:15:08
